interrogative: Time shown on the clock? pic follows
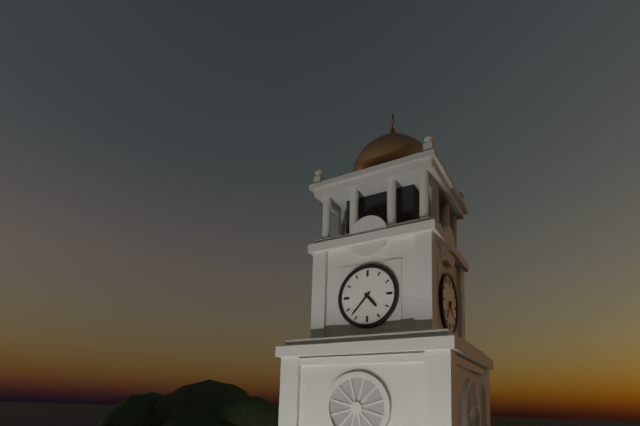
4:37
